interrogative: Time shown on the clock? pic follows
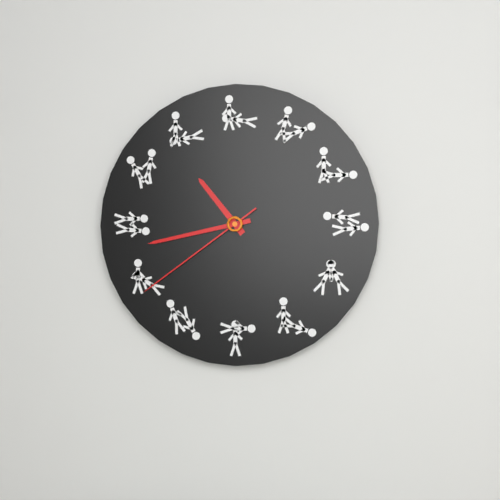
10:43:39
